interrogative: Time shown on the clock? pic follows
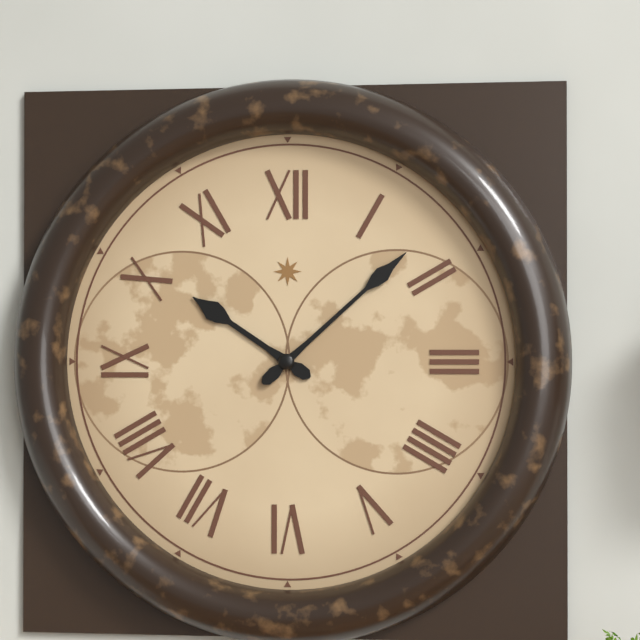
10:08
